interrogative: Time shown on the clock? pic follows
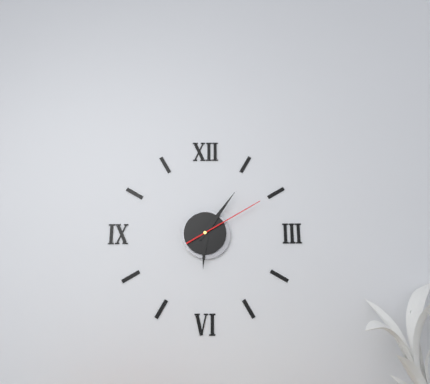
6:06:10
